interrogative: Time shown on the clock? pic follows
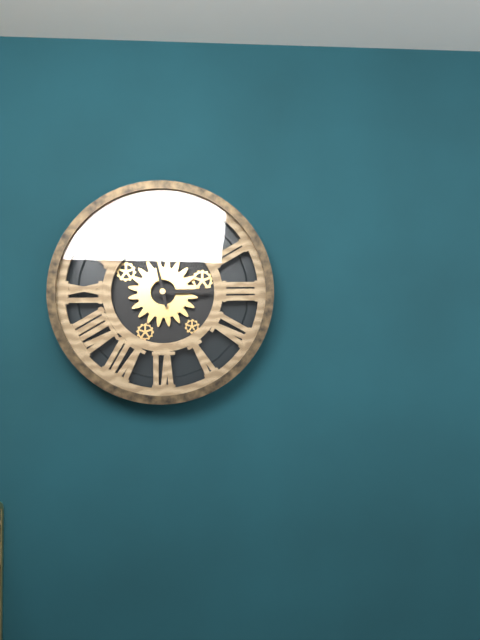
2:58
